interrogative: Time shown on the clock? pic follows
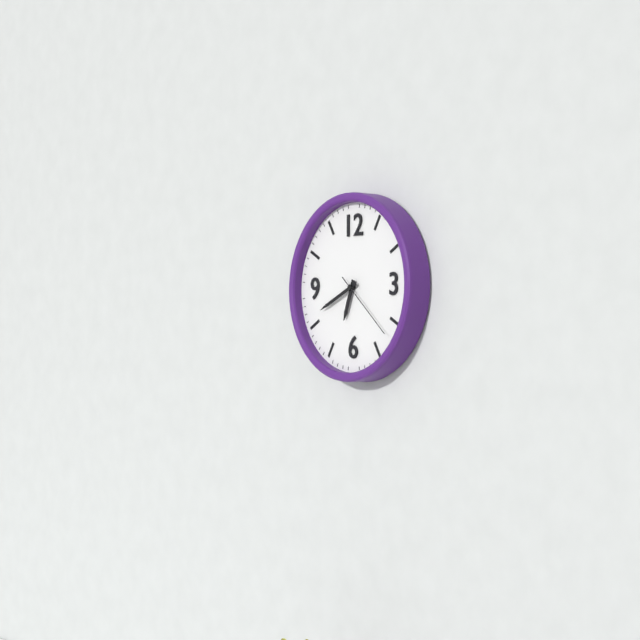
6:41:22
